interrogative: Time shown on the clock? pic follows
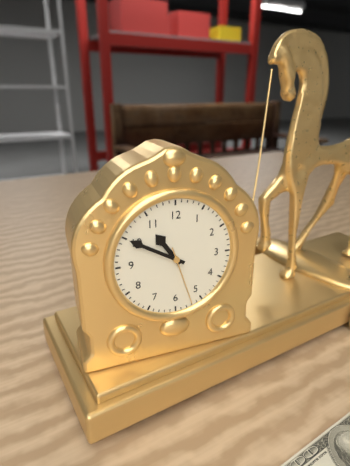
10:50:27
